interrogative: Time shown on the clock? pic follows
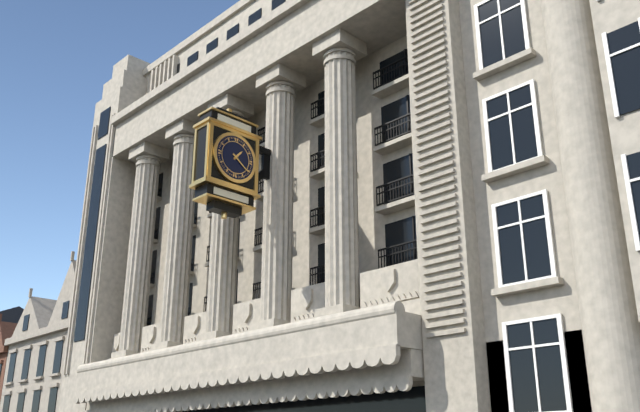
1:21
